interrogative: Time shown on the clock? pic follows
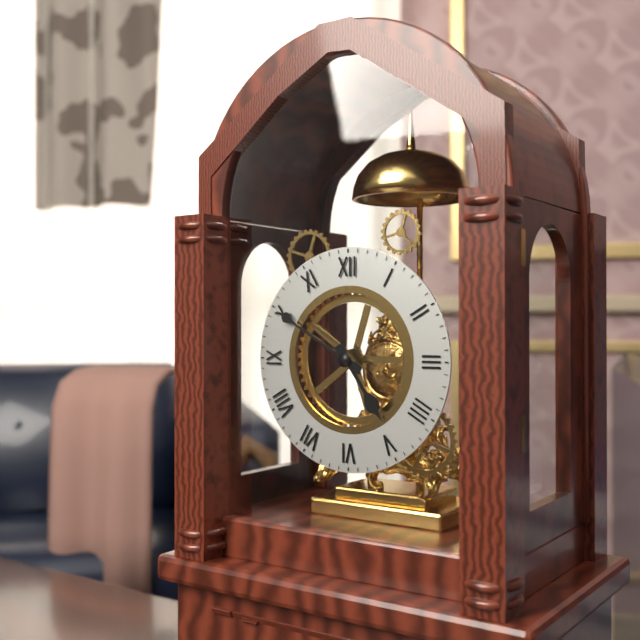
4:50
